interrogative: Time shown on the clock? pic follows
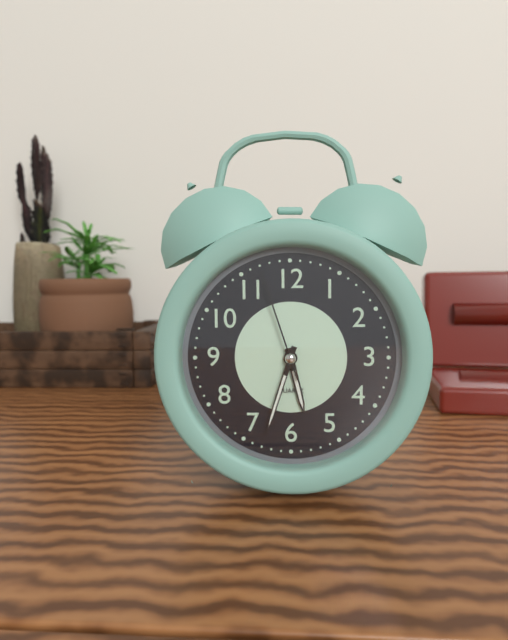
5:33:57
